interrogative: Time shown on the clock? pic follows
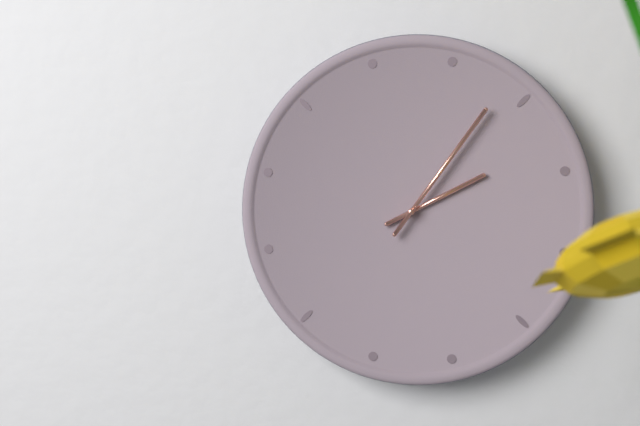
2:06
